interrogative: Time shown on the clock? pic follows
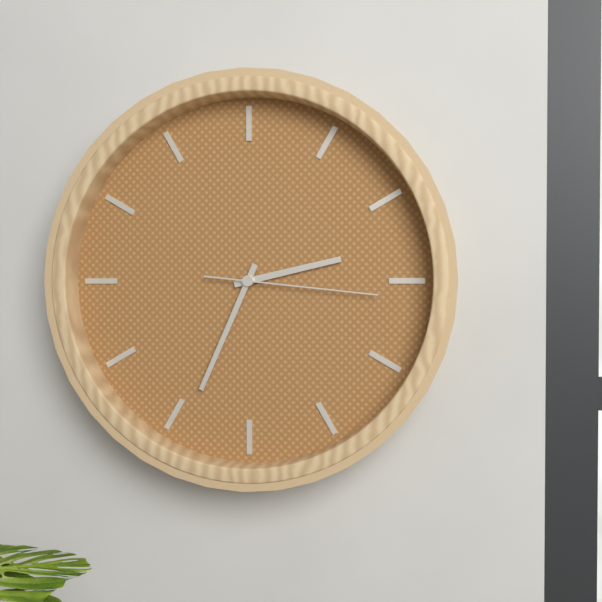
2:34:16
